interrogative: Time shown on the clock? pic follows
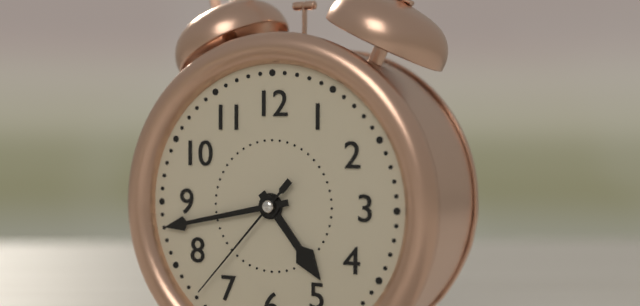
4:43:37
